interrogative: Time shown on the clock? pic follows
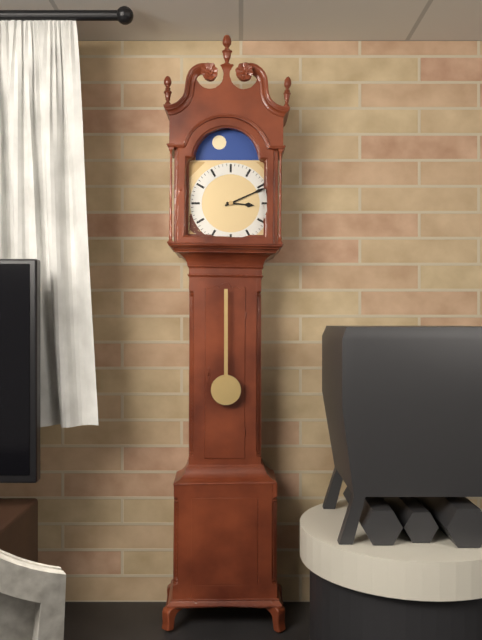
3:11
